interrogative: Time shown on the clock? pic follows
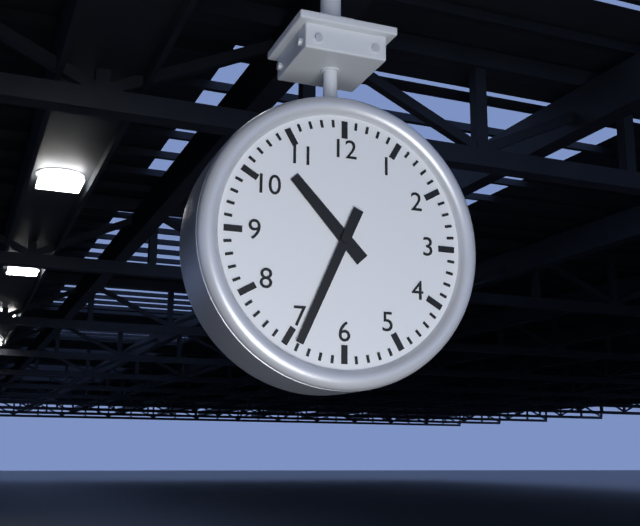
10:34
